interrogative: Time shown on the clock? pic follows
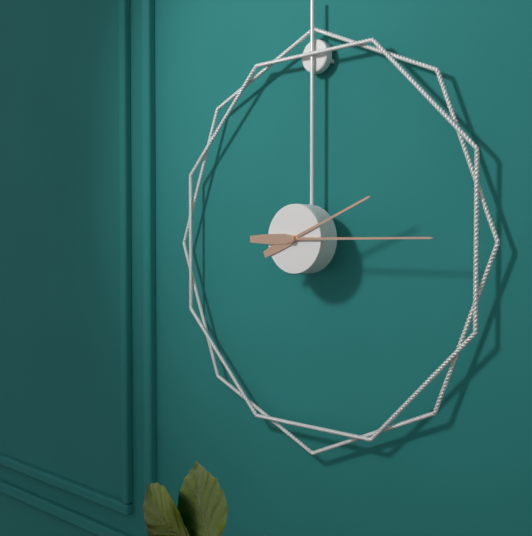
2:15
